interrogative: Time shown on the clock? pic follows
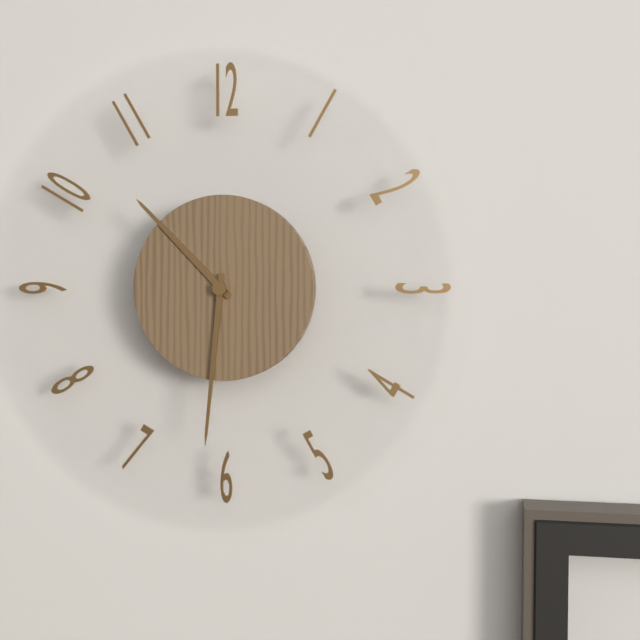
10:31
